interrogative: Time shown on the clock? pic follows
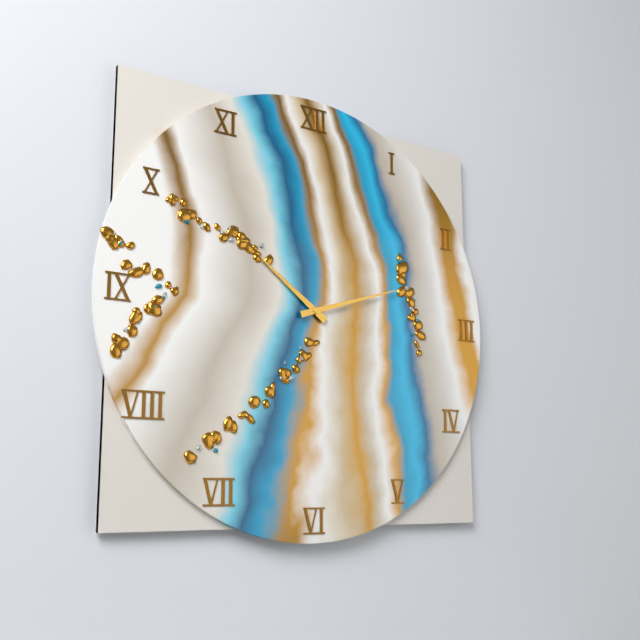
10:12
